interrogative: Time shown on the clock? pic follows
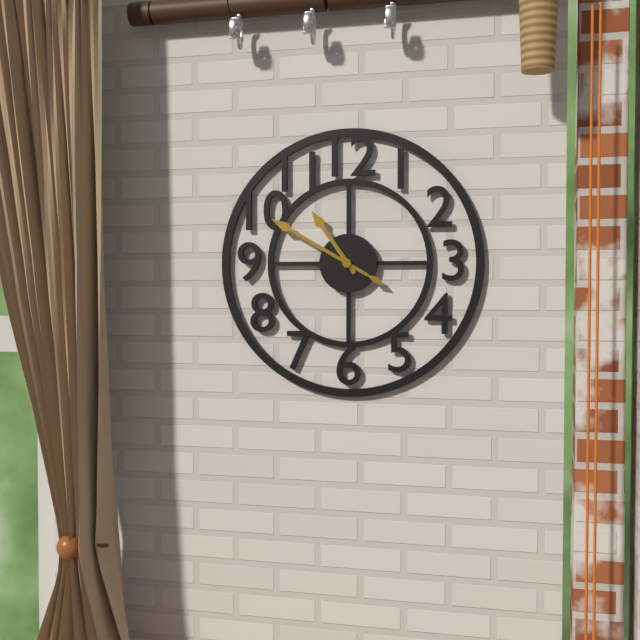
10:50
